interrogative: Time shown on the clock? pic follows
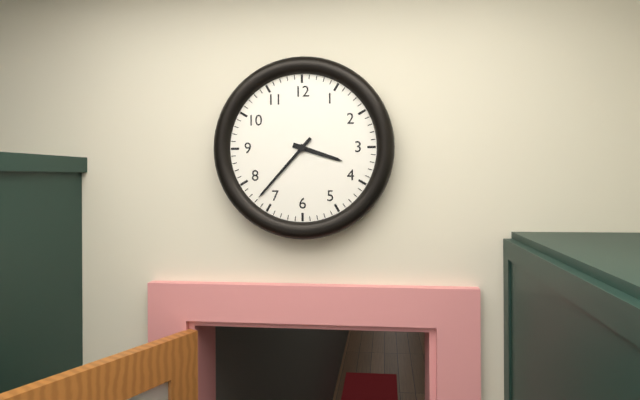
3:37
